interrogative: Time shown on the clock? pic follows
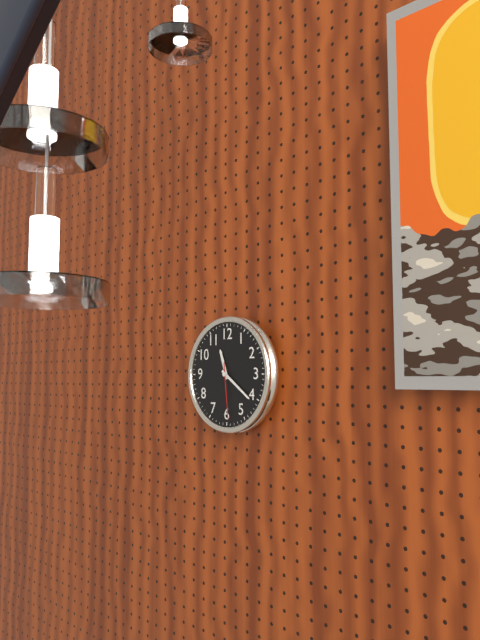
11:21:29
